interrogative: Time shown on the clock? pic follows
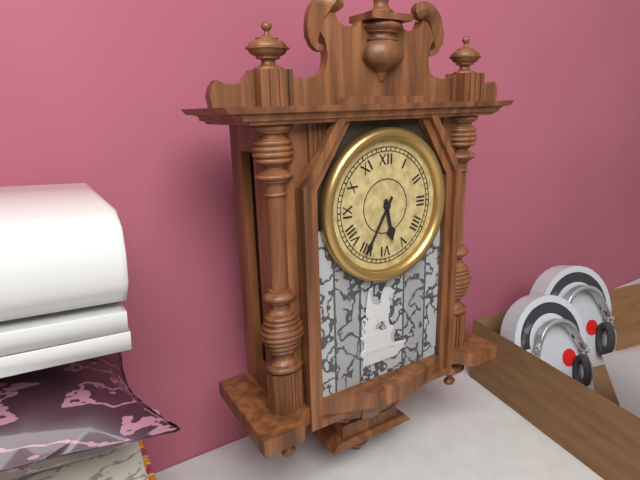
5:35
